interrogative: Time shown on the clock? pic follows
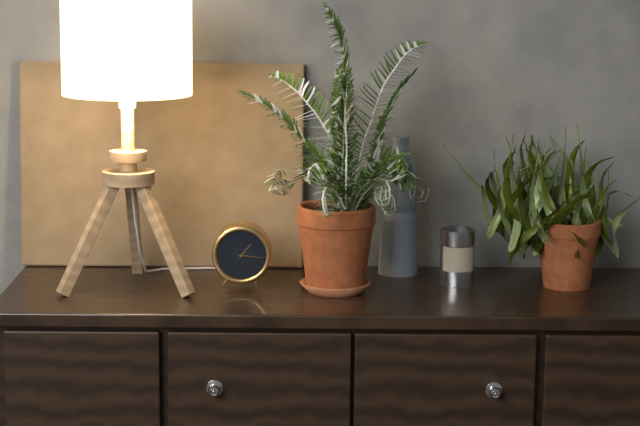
1:16
